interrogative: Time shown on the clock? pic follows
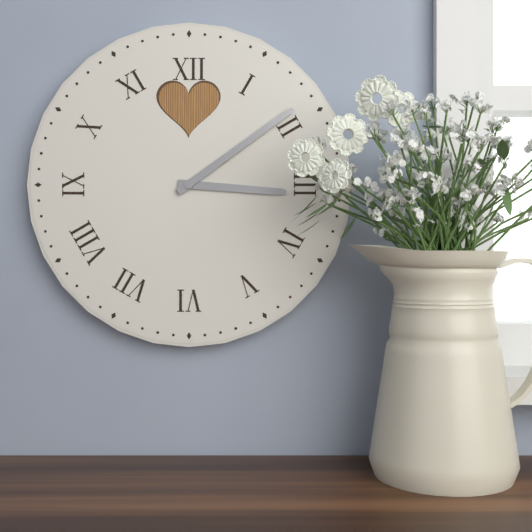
3:09
